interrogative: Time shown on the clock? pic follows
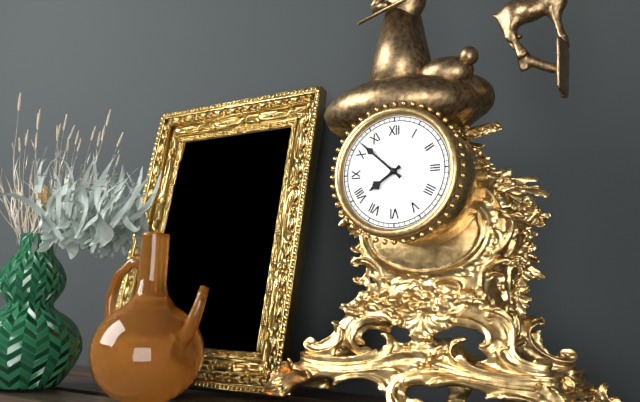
7:52
